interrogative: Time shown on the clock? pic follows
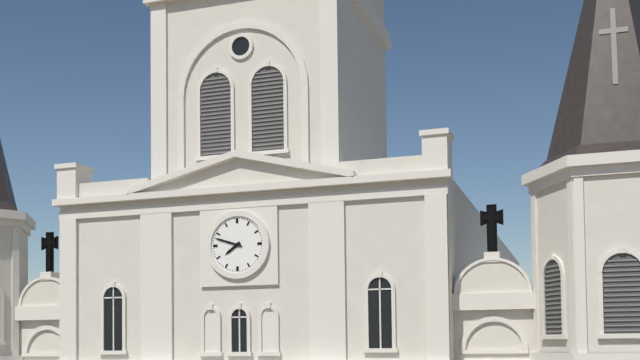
7:48
